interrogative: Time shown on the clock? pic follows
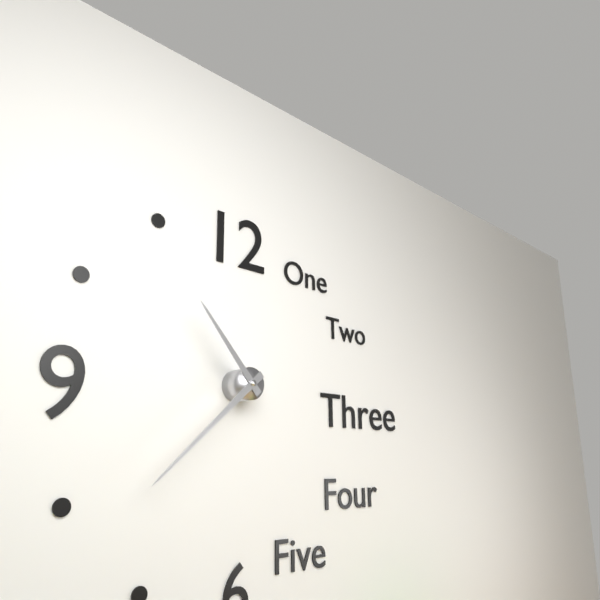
10:38
